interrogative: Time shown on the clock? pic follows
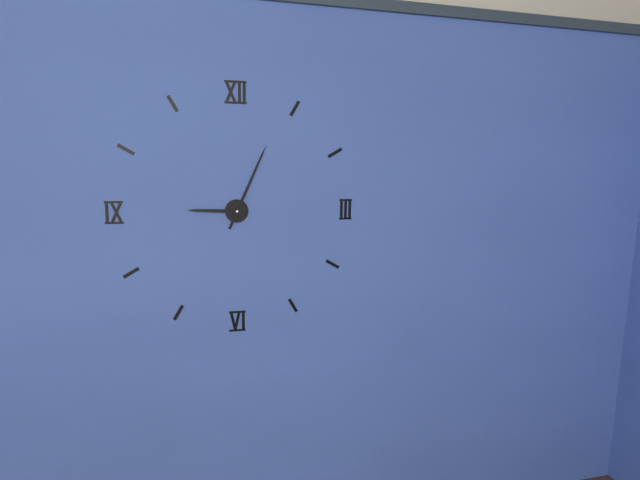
9:04
